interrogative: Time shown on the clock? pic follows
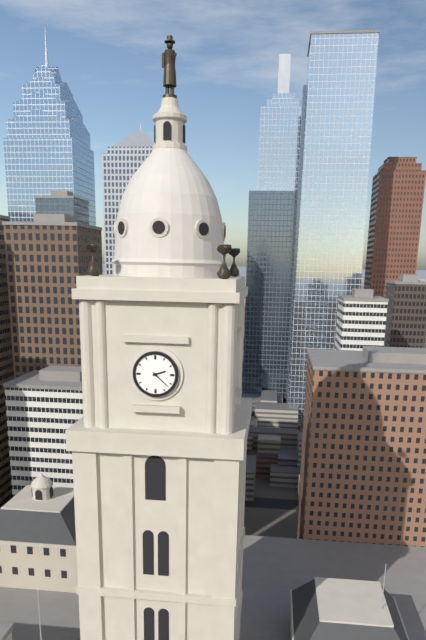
2:22
